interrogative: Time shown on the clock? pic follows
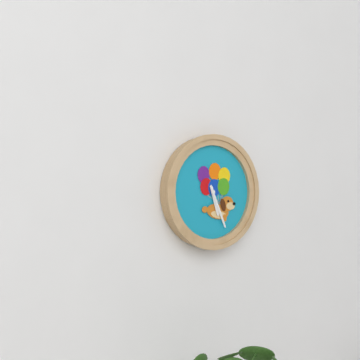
5:26
